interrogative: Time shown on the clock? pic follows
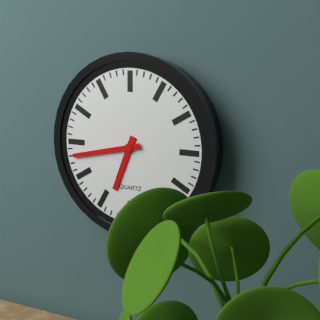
6:43
